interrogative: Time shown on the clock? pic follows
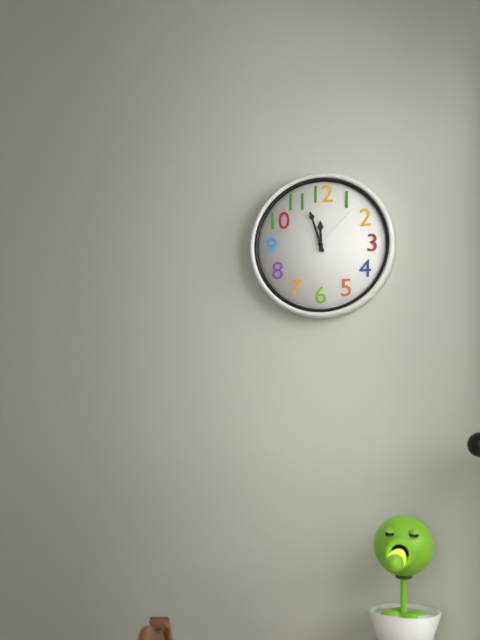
11:57:07
